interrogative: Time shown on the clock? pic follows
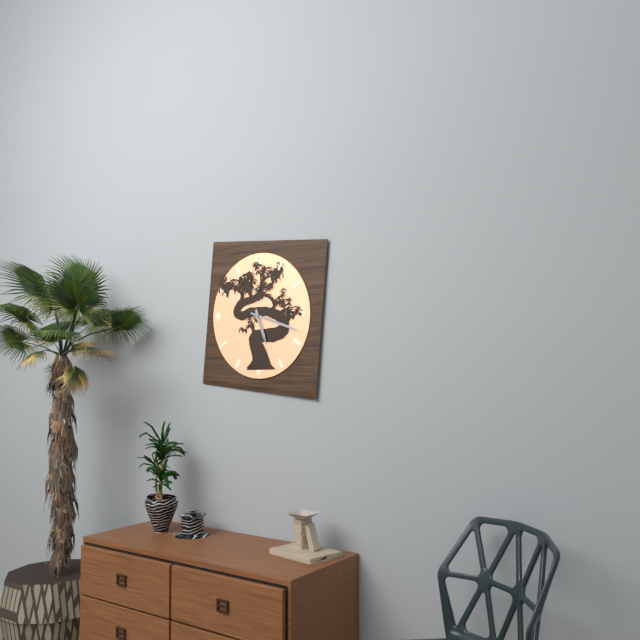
5:18
